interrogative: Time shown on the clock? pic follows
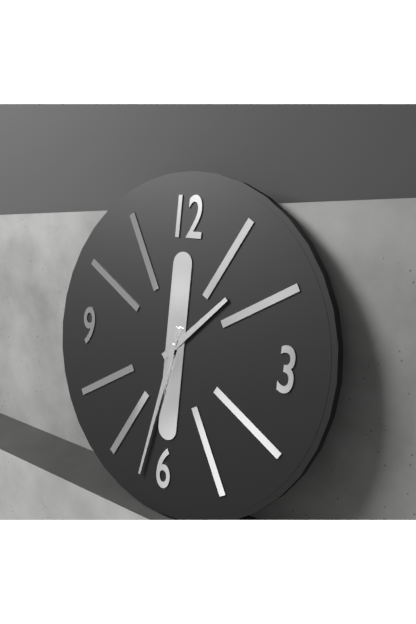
1:32
